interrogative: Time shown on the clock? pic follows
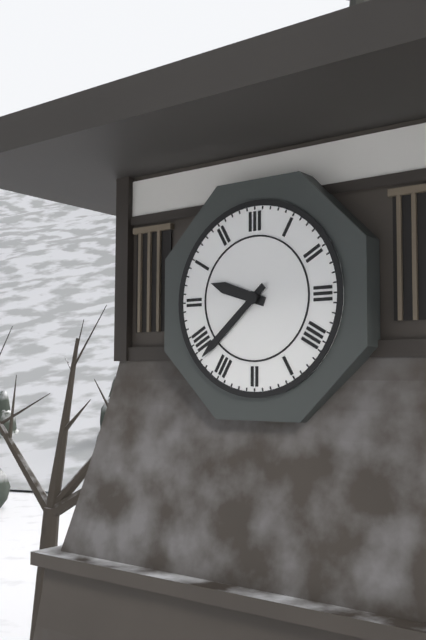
9:38
